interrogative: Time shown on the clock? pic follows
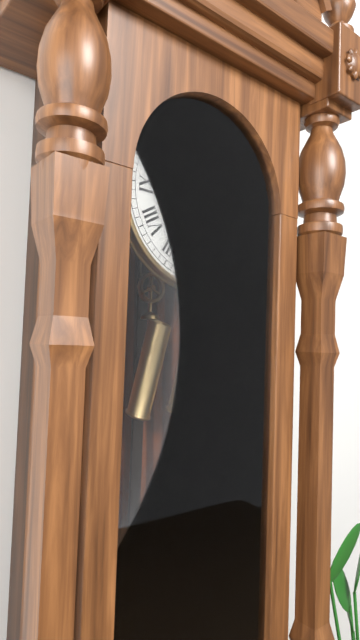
3:08
